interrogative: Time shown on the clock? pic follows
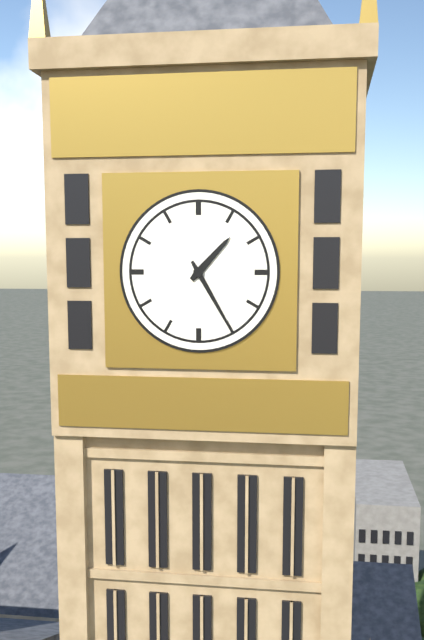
1:25
